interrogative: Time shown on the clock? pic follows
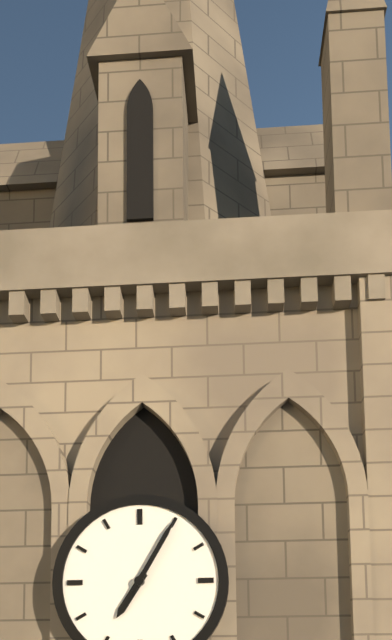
7:05
